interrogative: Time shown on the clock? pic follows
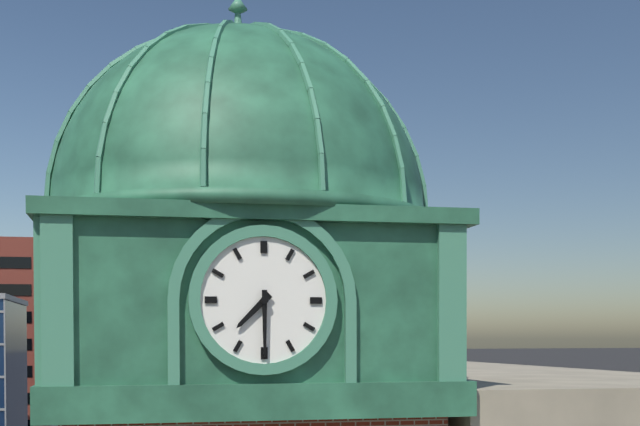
7:30
